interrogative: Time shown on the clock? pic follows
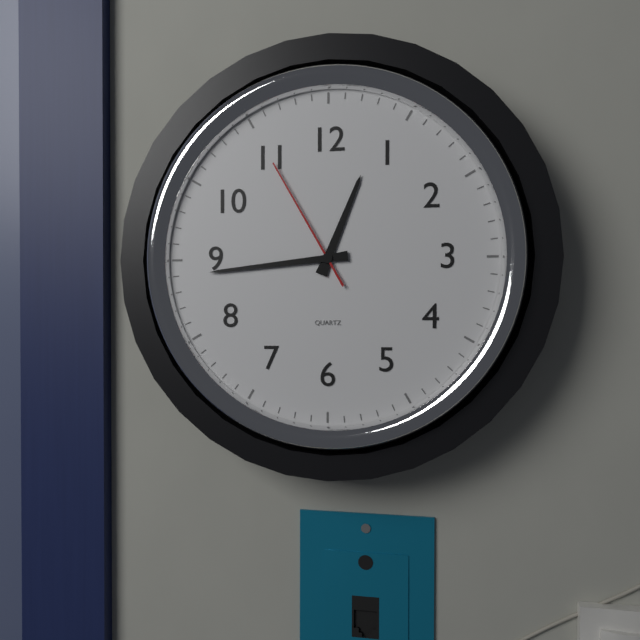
12:44:55
